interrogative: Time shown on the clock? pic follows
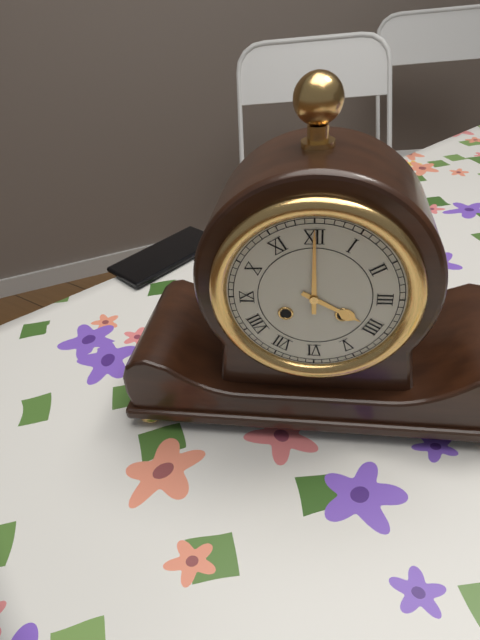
4:00
